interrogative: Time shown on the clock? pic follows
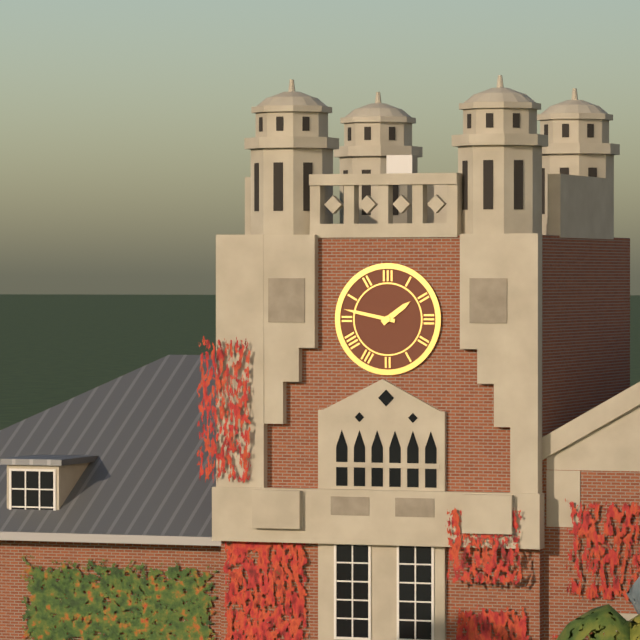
1:47
